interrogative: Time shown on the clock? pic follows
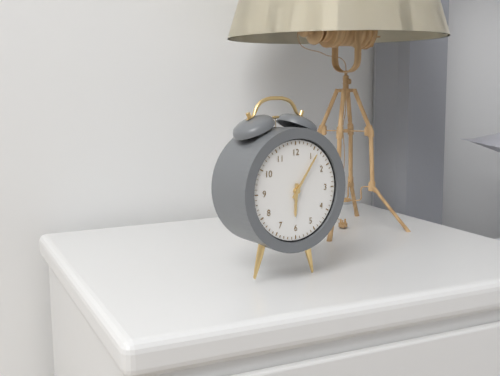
6:06
